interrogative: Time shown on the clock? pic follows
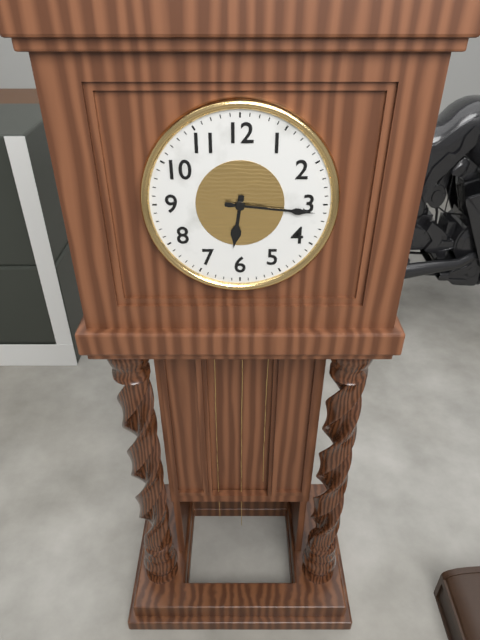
6:16
